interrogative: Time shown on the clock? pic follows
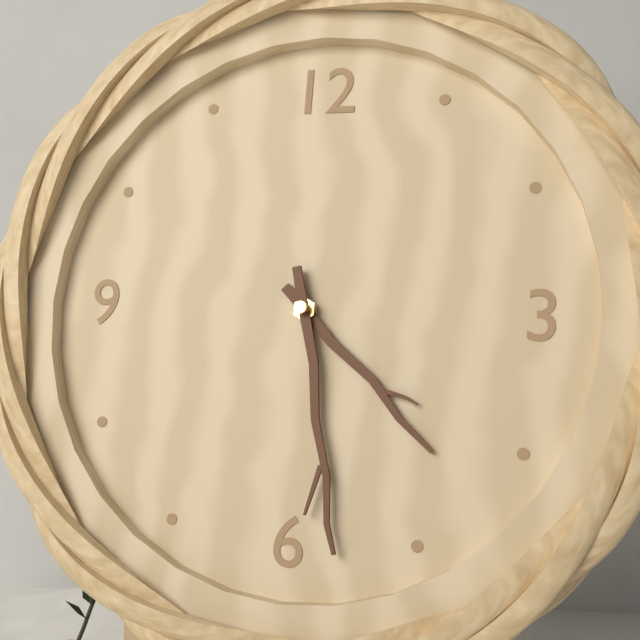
4:28
